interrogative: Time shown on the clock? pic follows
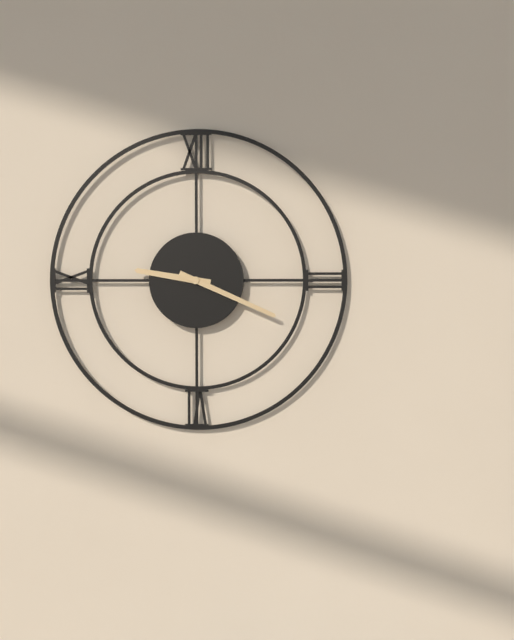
9:19
